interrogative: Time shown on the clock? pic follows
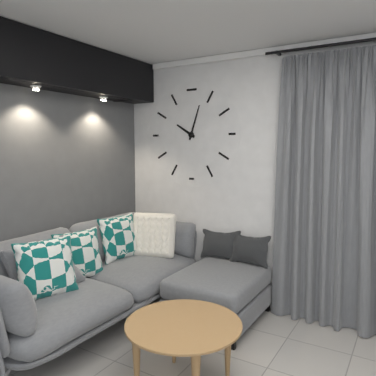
10:03
